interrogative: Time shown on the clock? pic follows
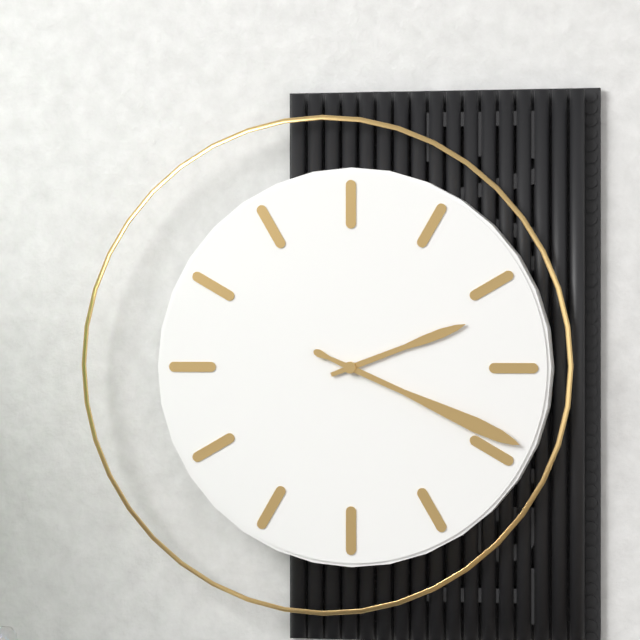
2:19
